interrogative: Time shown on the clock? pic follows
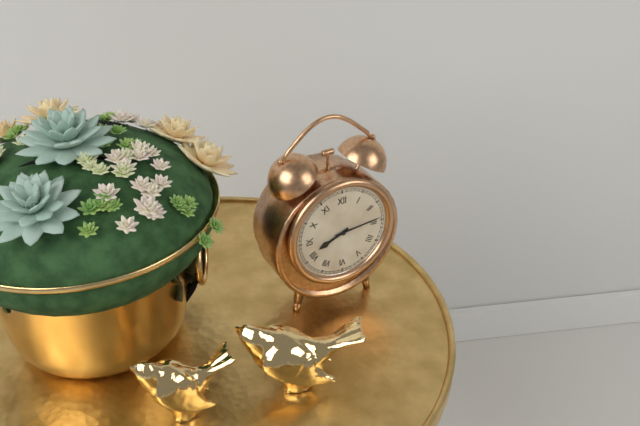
8:14
